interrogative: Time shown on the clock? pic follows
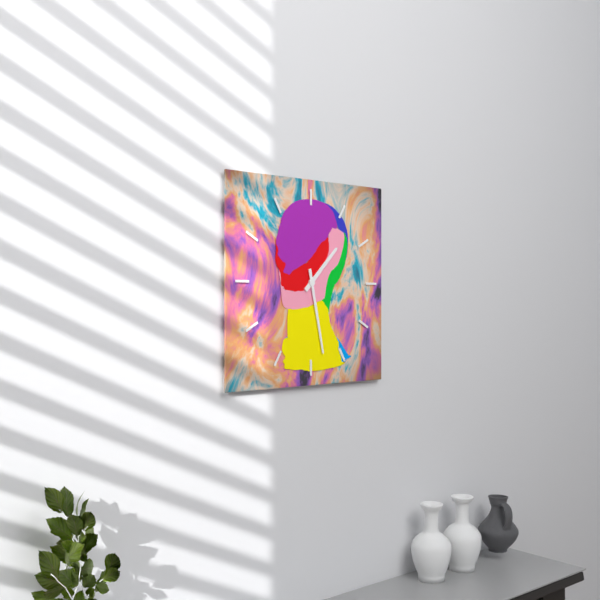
1:28
